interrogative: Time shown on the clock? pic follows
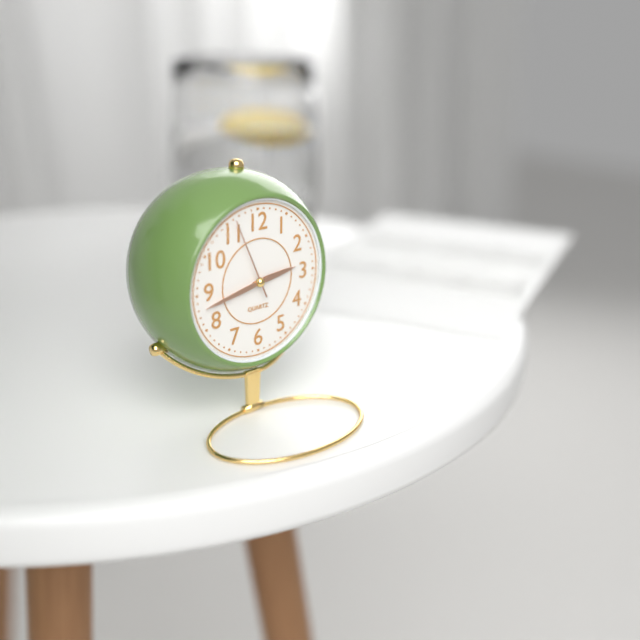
2:43:56
